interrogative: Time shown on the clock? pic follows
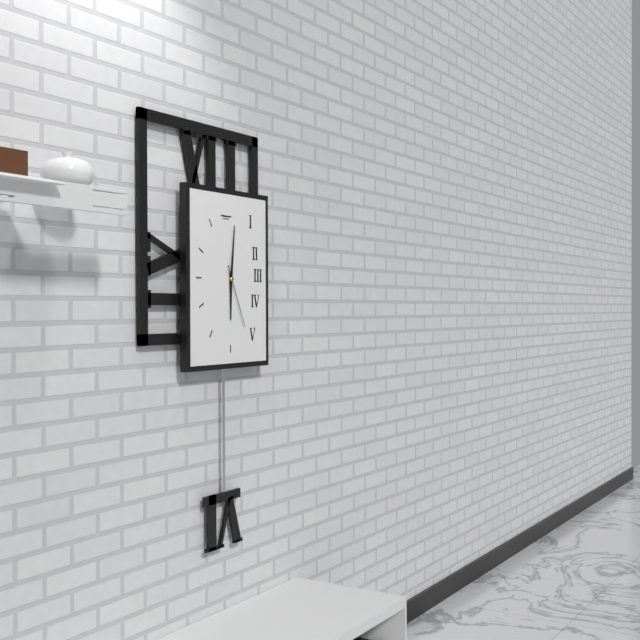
6:01:26
